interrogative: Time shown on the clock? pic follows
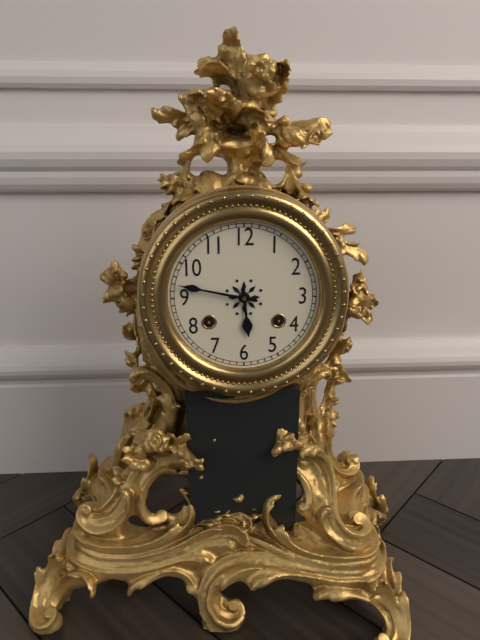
5:47
